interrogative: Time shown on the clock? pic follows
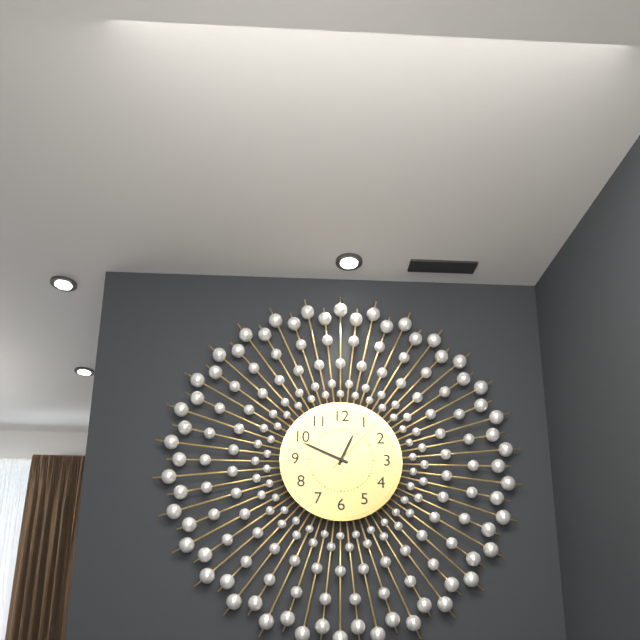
12:49:07
